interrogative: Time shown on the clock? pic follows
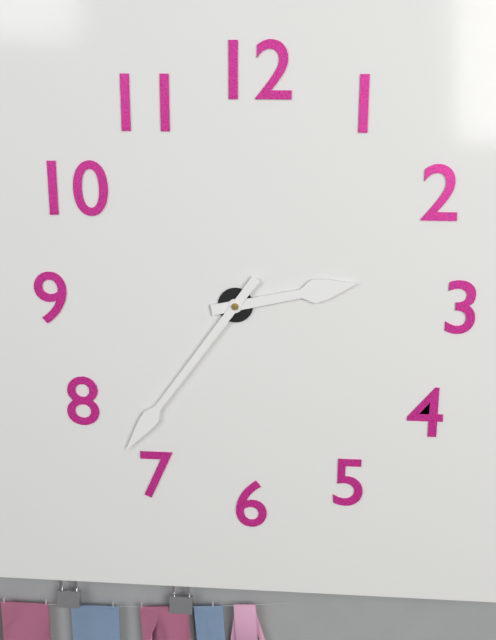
2:36
